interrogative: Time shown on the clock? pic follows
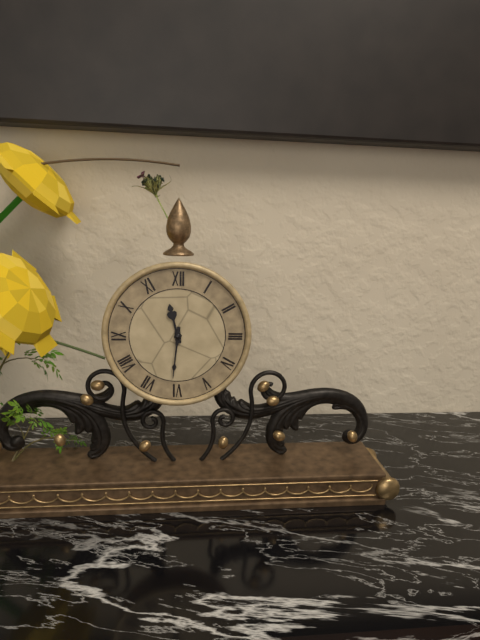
11:31
